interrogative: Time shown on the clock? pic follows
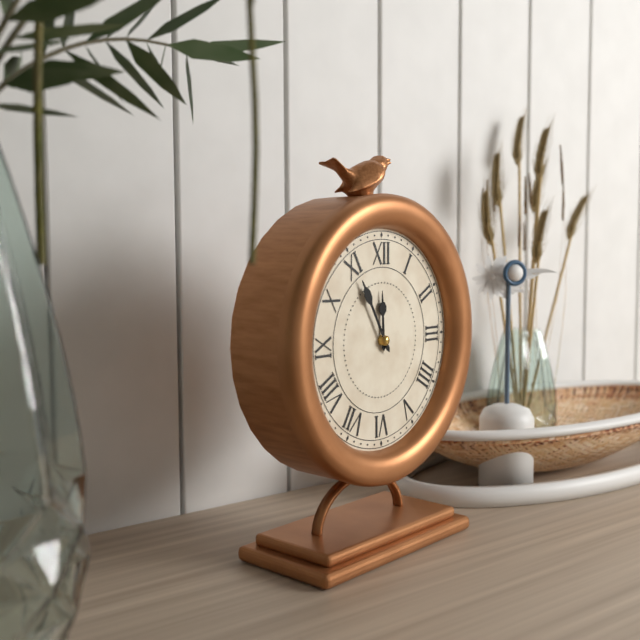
11:55
